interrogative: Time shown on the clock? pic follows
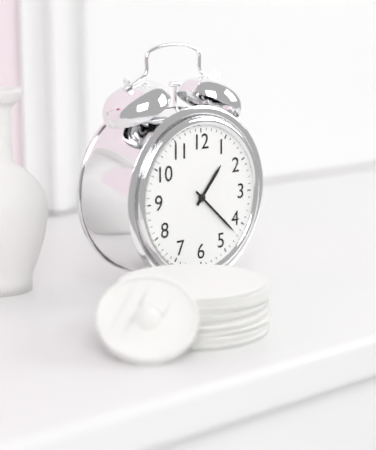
1:22
